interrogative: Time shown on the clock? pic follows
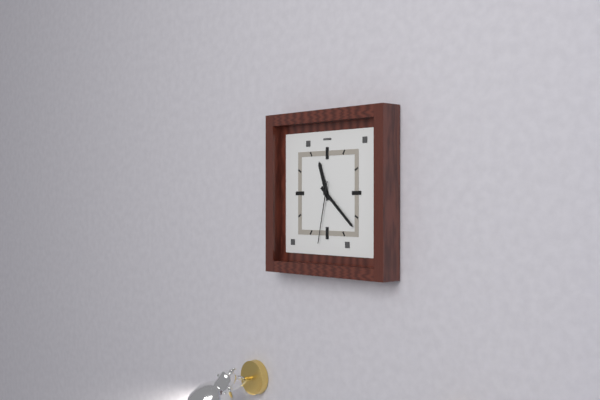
11:22:32
